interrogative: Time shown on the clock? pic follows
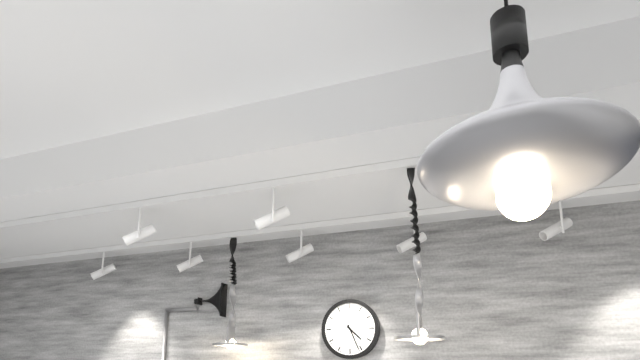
4:26
